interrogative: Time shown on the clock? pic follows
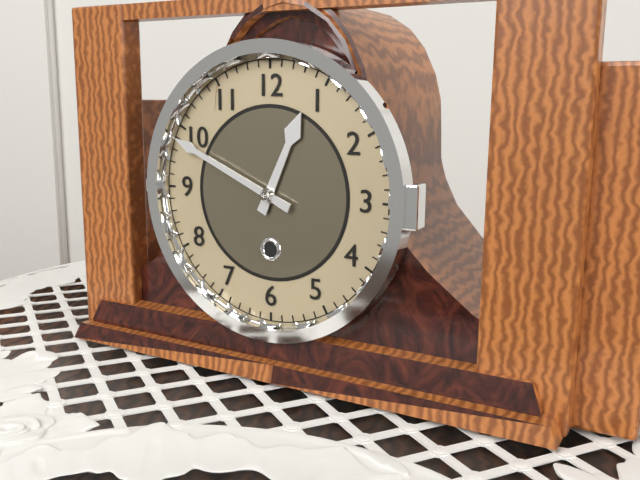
12:49
